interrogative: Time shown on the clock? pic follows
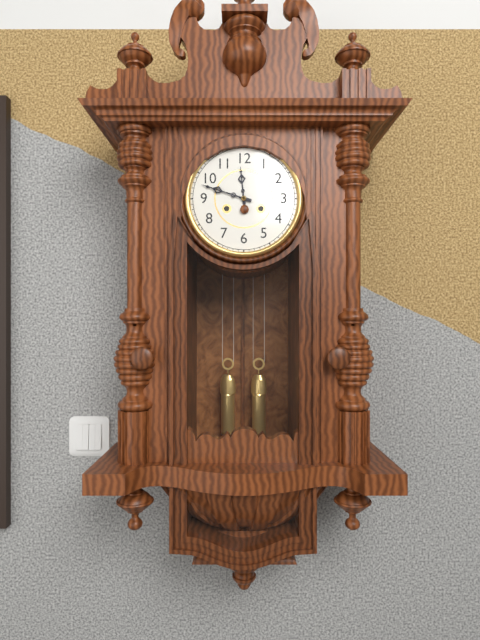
11:48
